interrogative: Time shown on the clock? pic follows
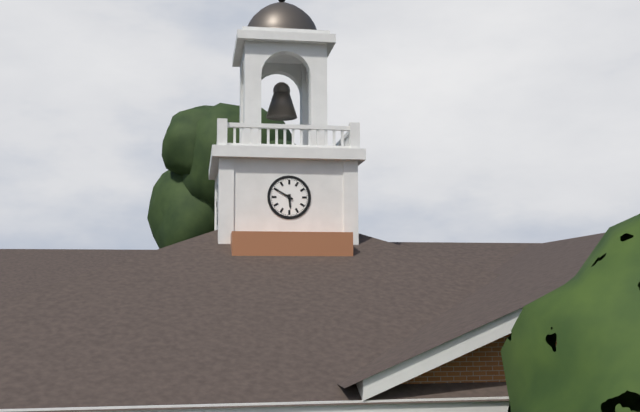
5:50
